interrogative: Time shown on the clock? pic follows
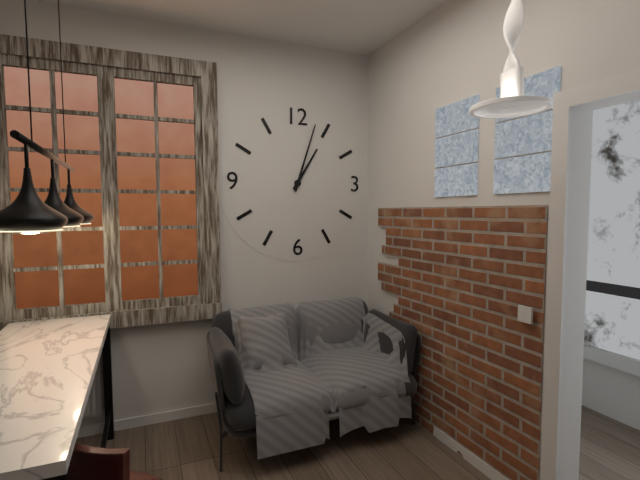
1:03
